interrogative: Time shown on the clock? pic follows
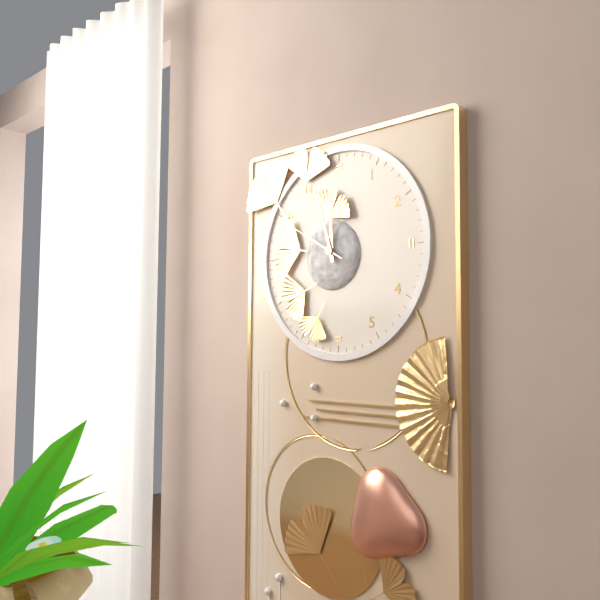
11:57:50
